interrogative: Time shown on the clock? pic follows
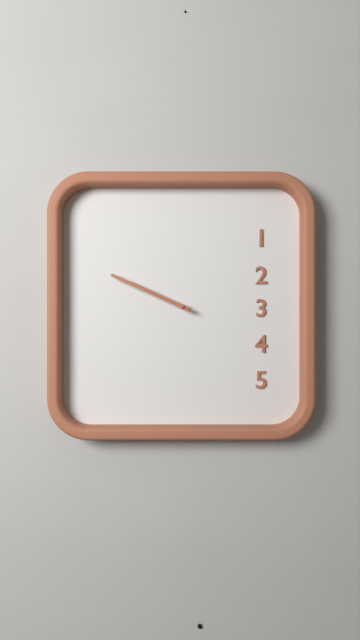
9:49:49
